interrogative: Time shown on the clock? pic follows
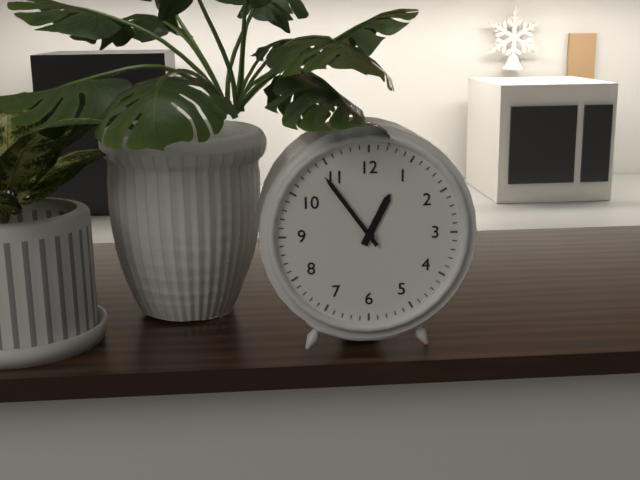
12:54
